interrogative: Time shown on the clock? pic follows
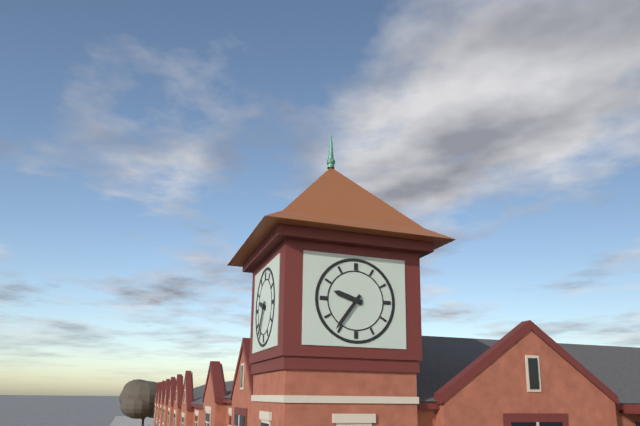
9:36
